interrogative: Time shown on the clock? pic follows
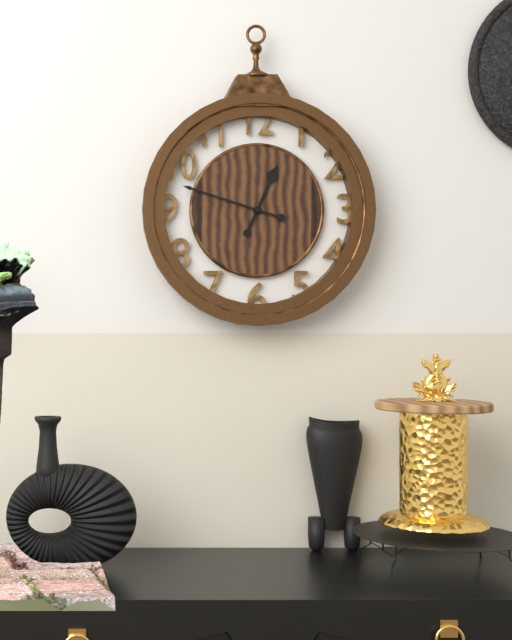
12:48
